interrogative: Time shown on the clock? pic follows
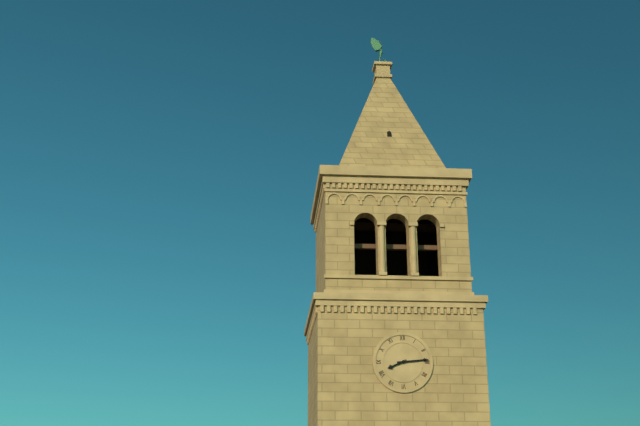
8:14
